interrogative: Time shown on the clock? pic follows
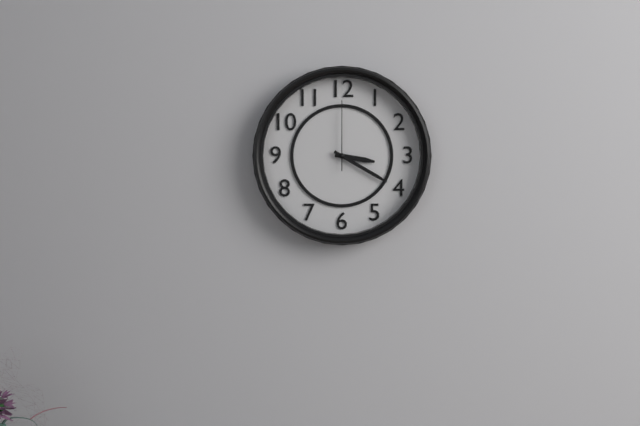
3:20:00
